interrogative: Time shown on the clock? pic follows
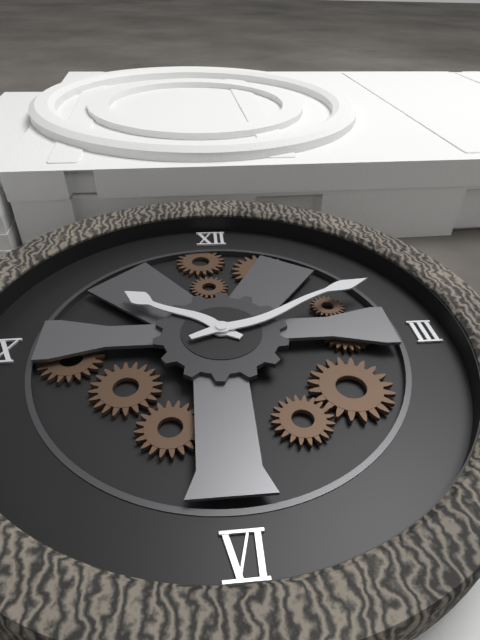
10:11
